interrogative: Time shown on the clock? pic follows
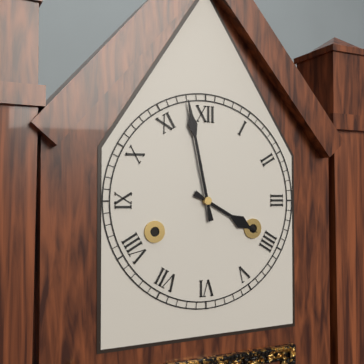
3:58
